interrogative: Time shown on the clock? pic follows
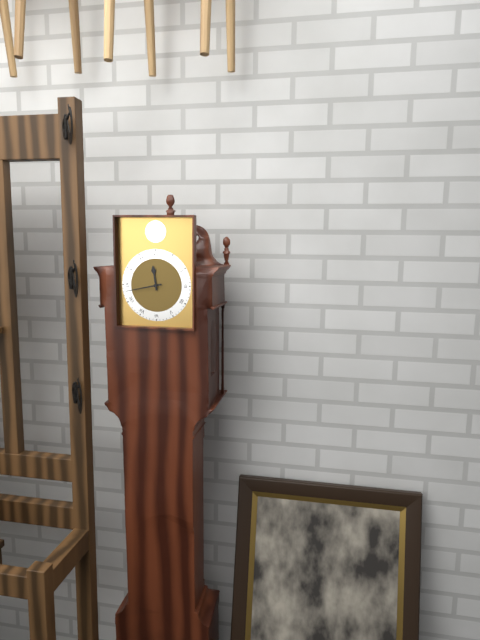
11:43
